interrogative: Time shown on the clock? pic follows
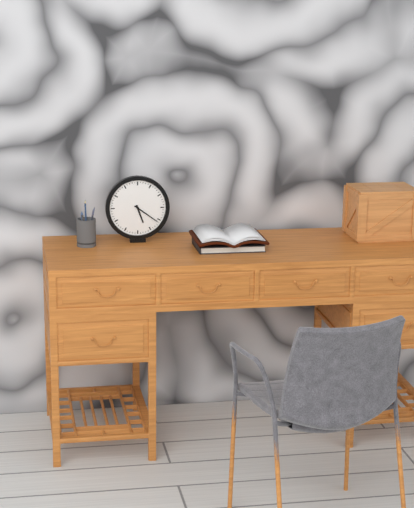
5:21
